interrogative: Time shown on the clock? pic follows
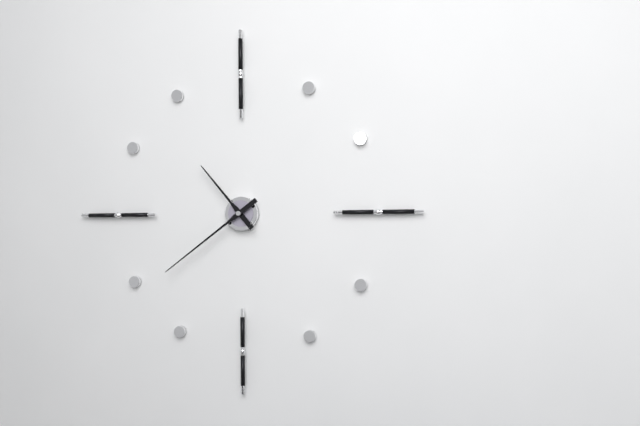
10:39
